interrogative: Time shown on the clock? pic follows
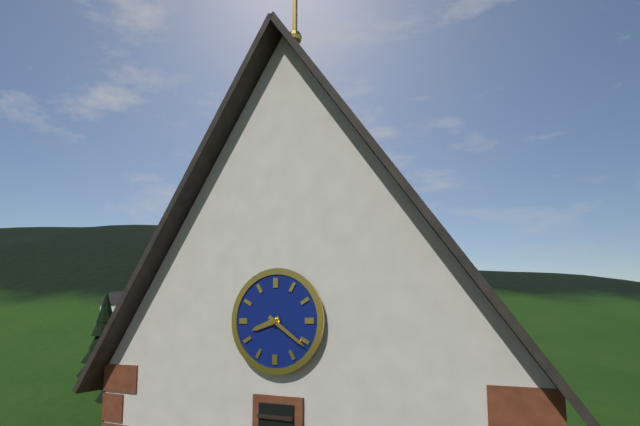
8:21
